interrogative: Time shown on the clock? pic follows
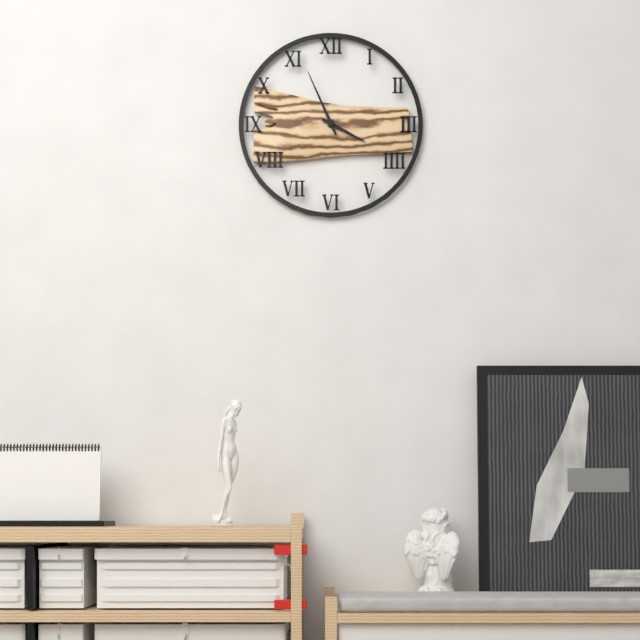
3:56
